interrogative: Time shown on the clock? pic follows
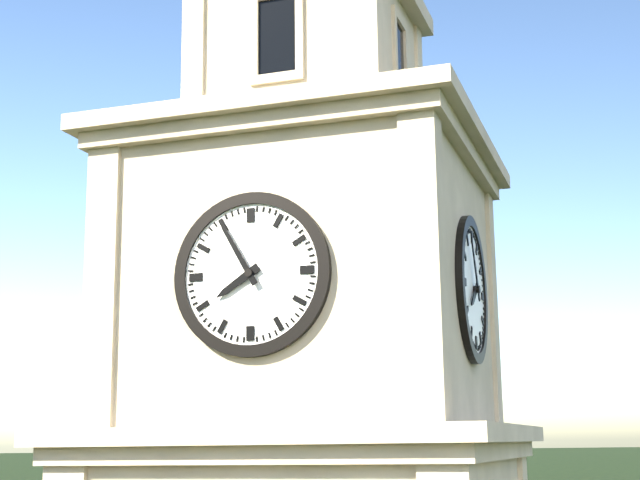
7:55
